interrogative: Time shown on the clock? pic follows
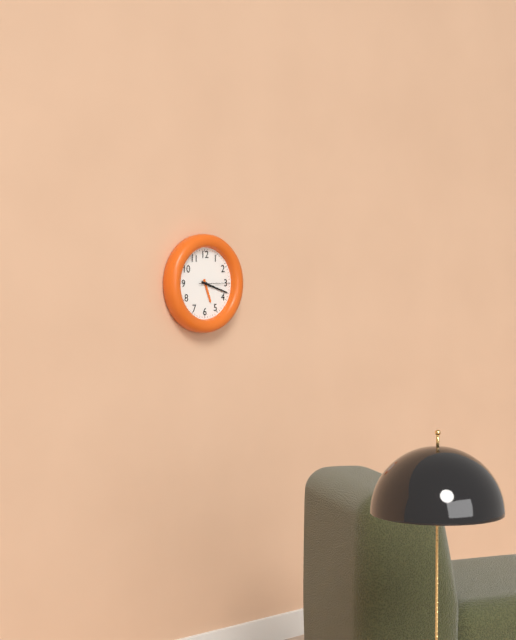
5:18
